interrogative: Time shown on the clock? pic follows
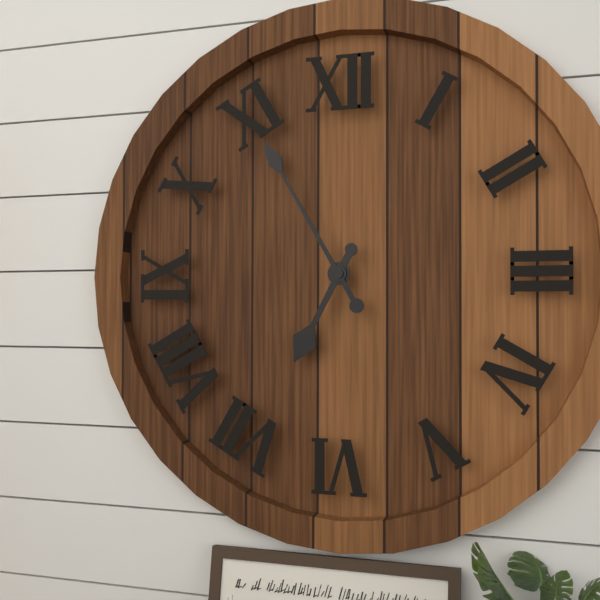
6:55
